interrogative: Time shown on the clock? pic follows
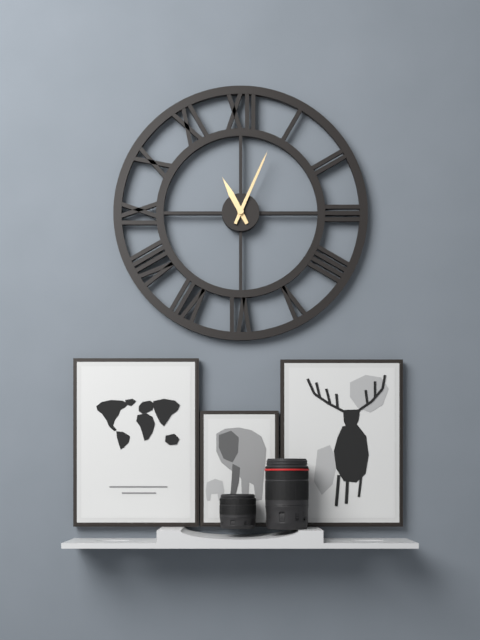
11:04
